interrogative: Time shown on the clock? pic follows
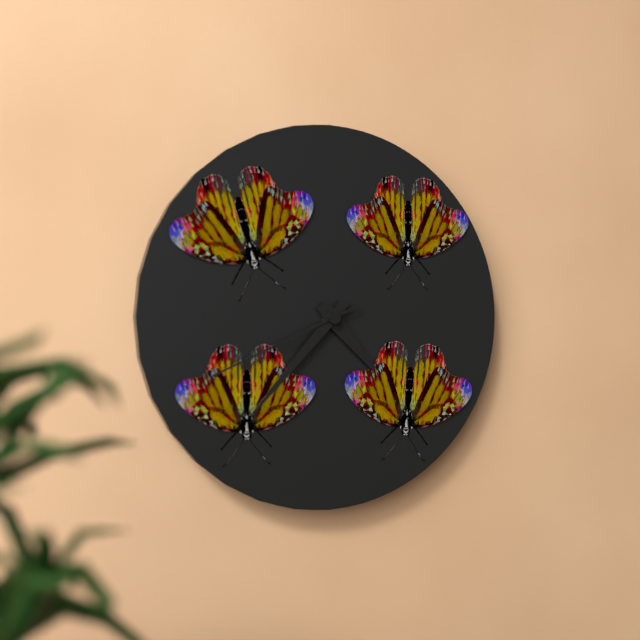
4:37:41
